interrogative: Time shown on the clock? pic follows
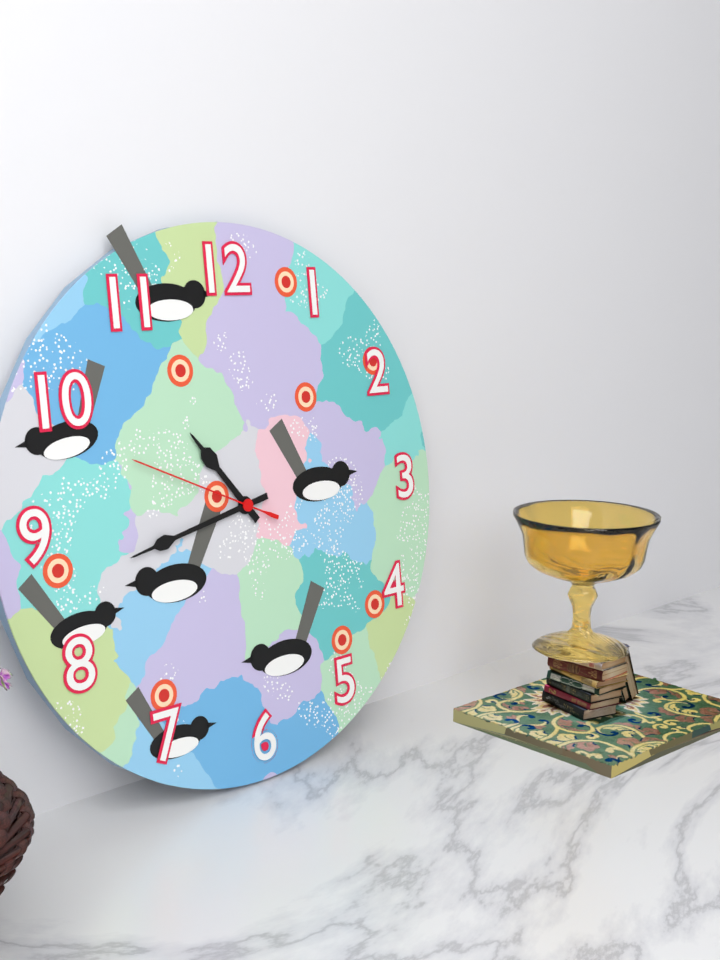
10:43:49
